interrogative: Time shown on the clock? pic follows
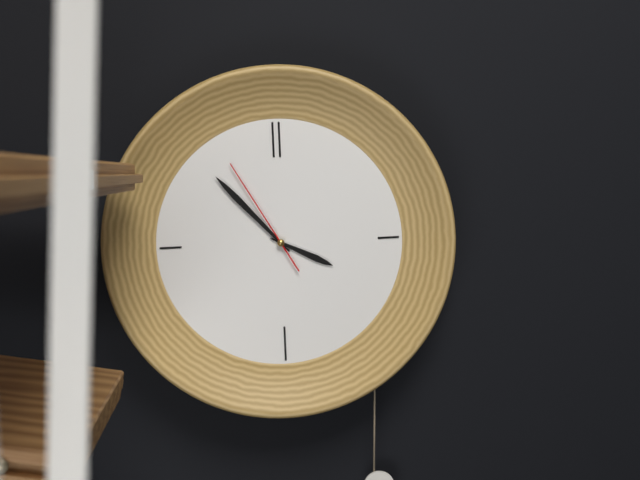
3:53:55
